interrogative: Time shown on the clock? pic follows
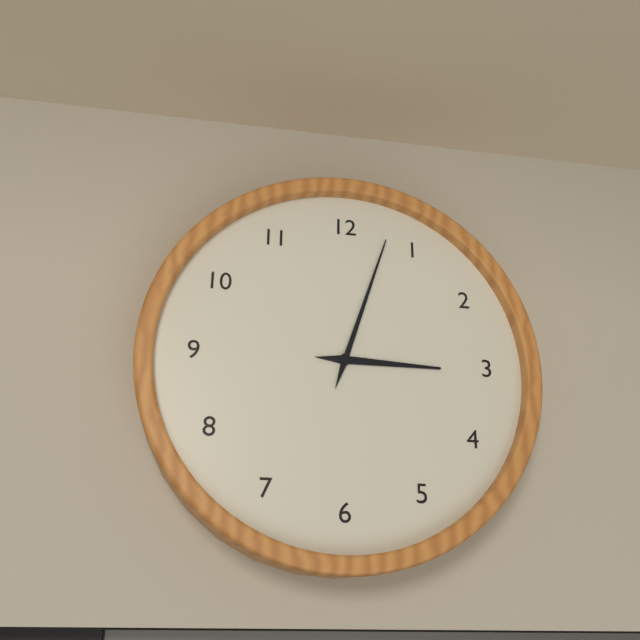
3:03
